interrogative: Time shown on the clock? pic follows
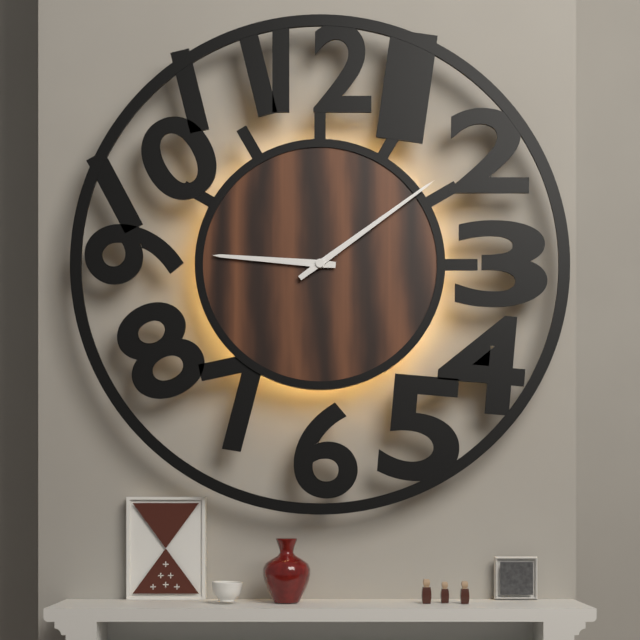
9:09
